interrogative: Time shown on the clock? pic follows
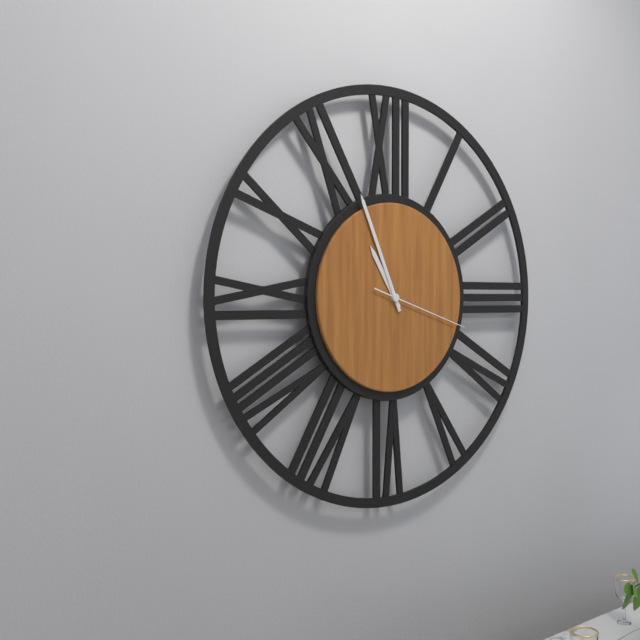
10:56:18
